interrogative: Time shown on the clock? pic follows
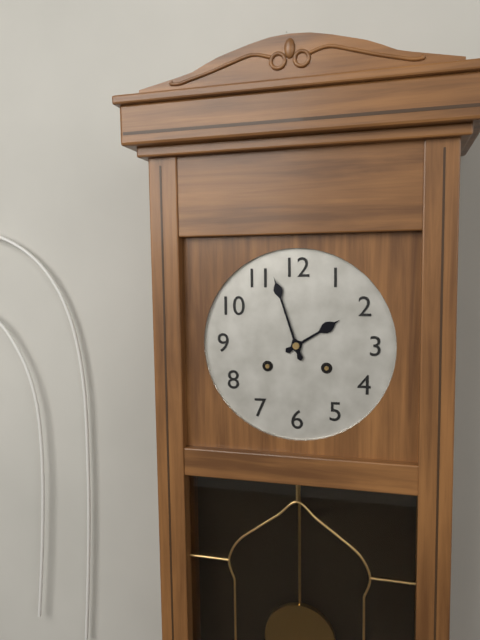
1:57
